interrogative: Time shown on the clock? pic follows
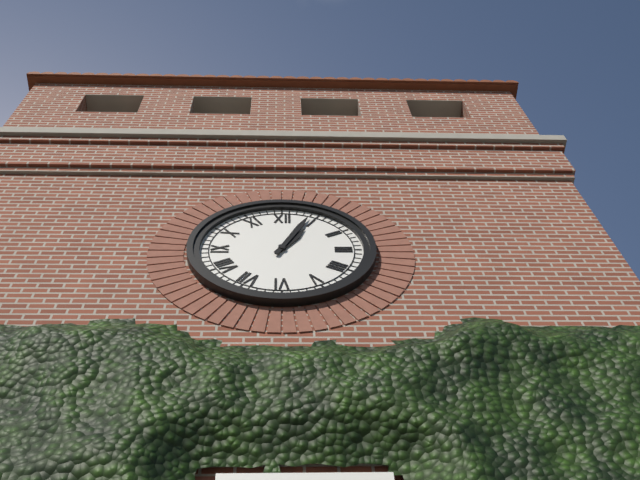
1:04
